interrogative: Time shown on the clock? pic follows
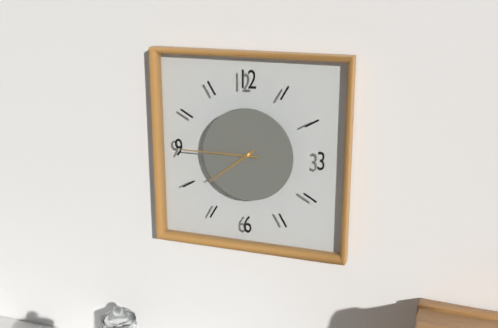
7:45
